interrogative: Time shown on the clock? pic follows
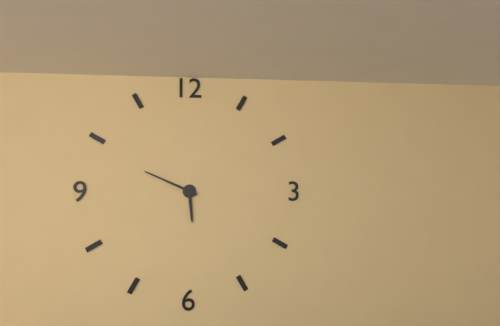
5:49
